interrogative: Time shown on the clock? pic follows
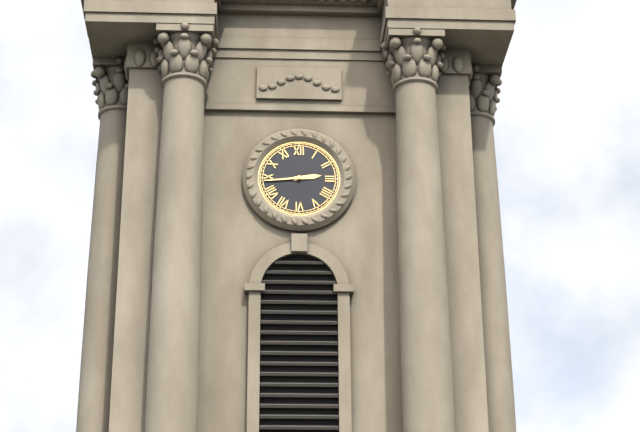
2:44
